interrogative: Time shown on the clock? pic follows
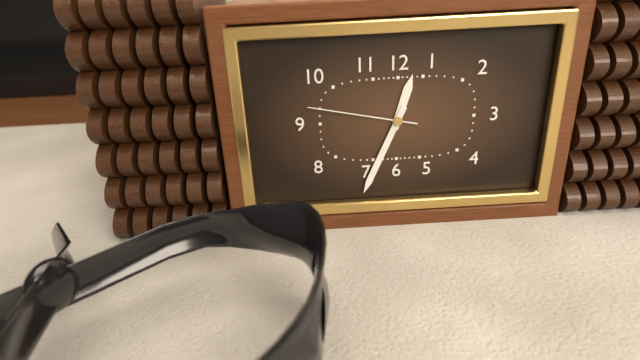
12:34:47
